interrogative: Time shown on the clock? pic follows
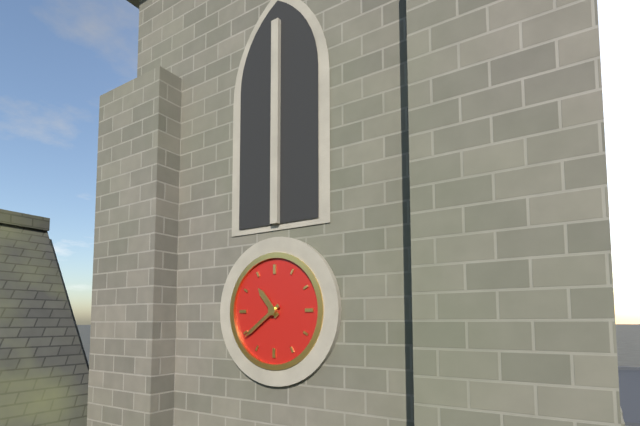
10:39
